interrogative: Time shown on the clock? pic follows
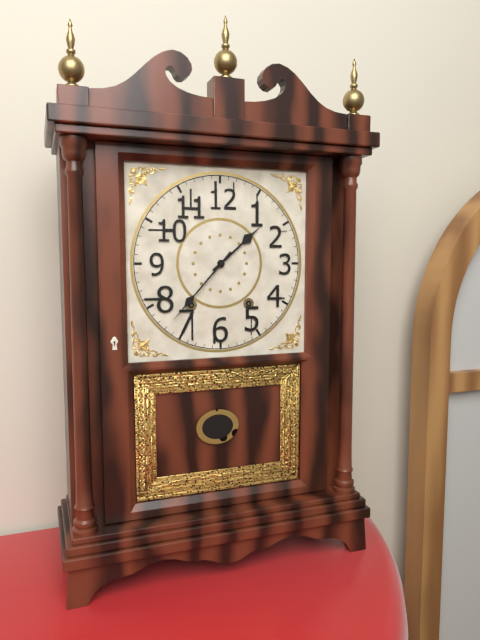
1:37
